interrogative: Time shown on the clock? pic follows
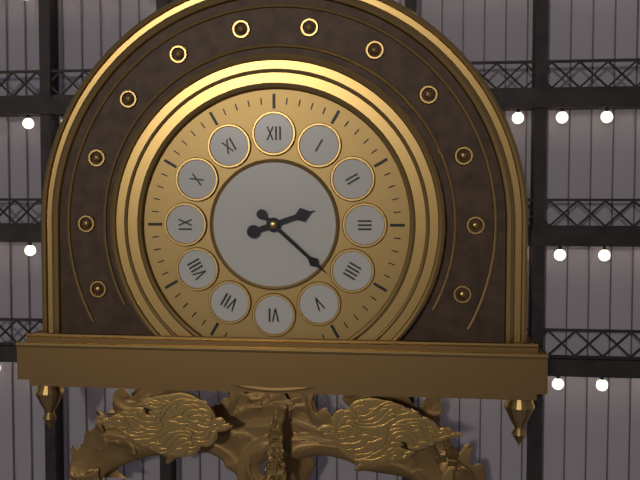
2:22
